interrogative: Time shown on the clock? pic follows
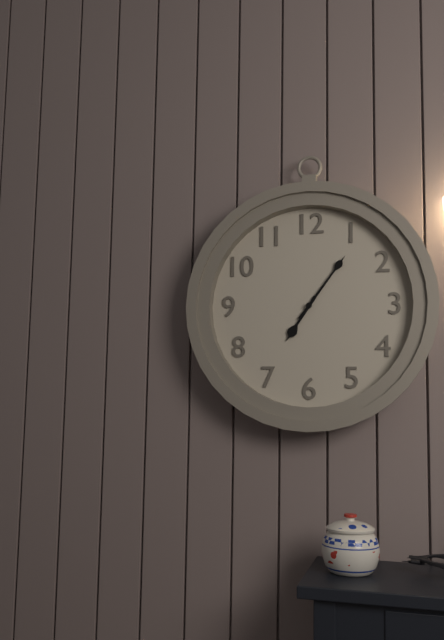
7:06
